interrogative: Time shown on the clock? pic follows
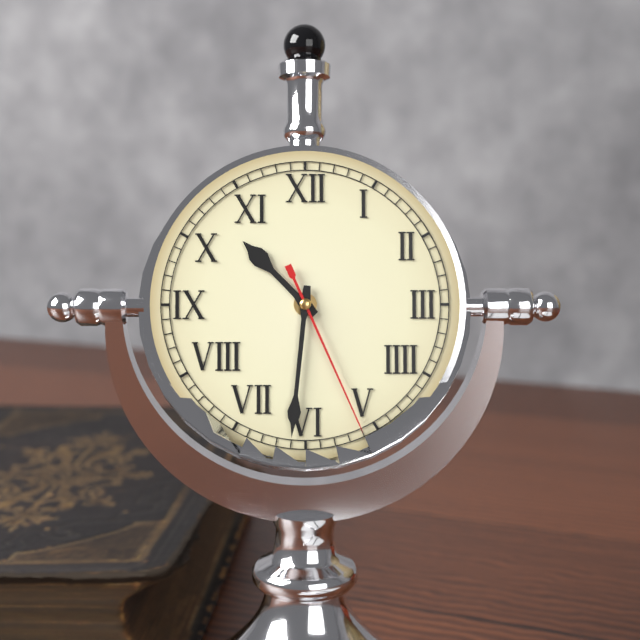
10:31:26
